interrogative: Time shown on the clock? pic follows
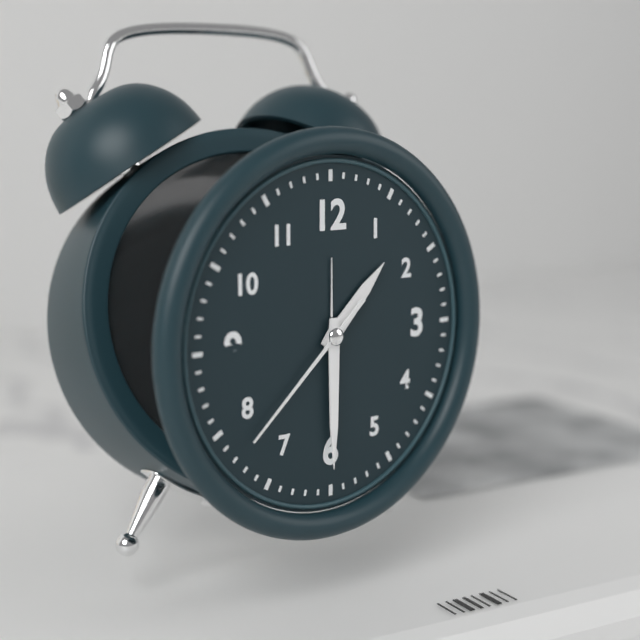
1:30:38
